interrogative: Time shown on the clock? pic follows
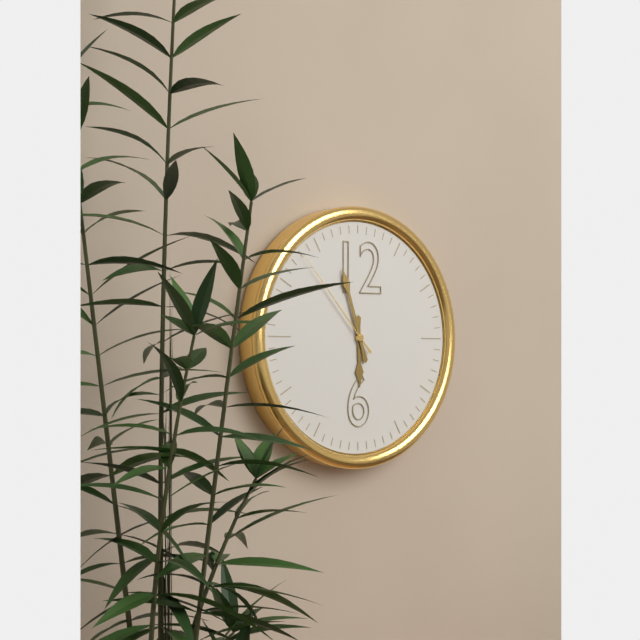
5:57:53
